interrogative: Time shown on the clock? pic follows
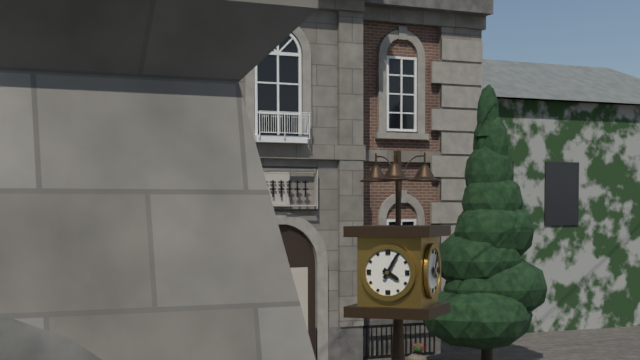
4:05
